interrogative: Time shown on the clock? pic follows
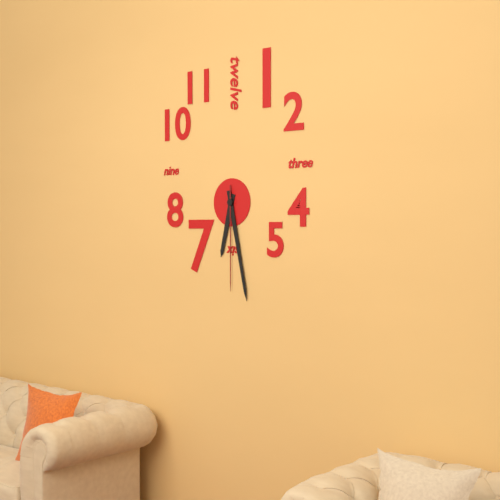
6:28:30
